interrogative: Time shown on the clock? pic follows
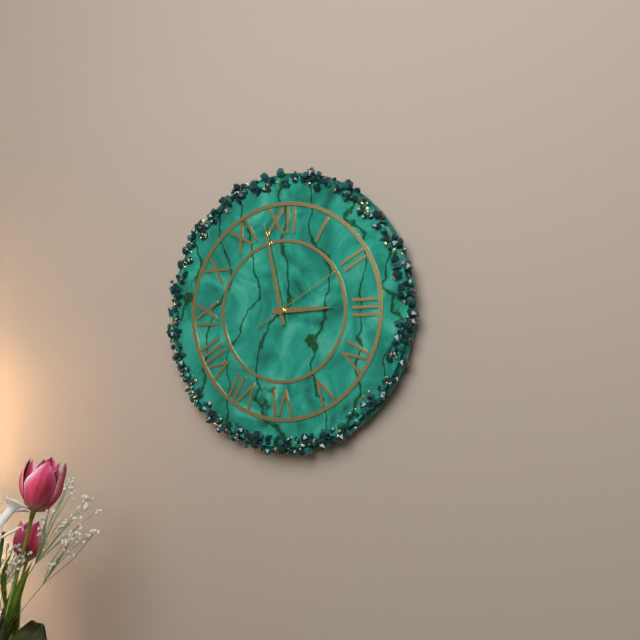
2:58:10
